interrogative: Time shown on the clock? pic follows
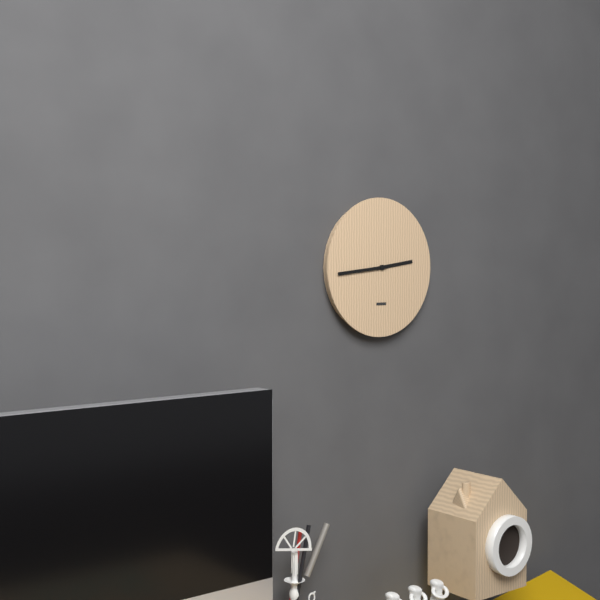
2:44
